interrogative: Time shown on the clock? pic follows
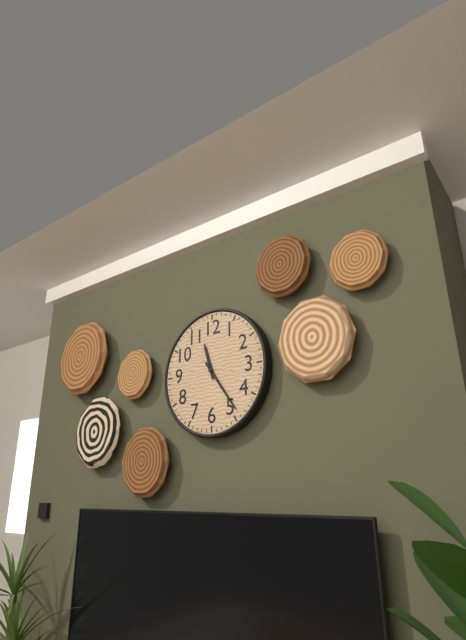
11:24
